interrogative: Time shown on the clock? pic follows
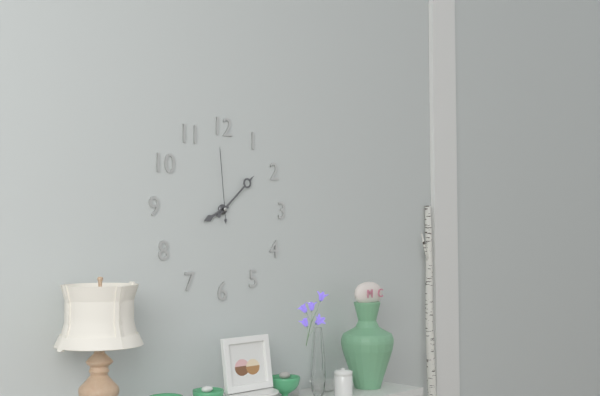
8:08:59
